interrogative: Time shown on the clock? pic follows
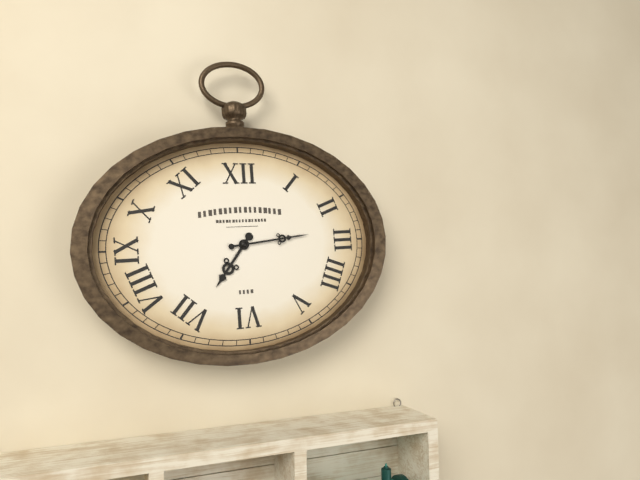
7:14
